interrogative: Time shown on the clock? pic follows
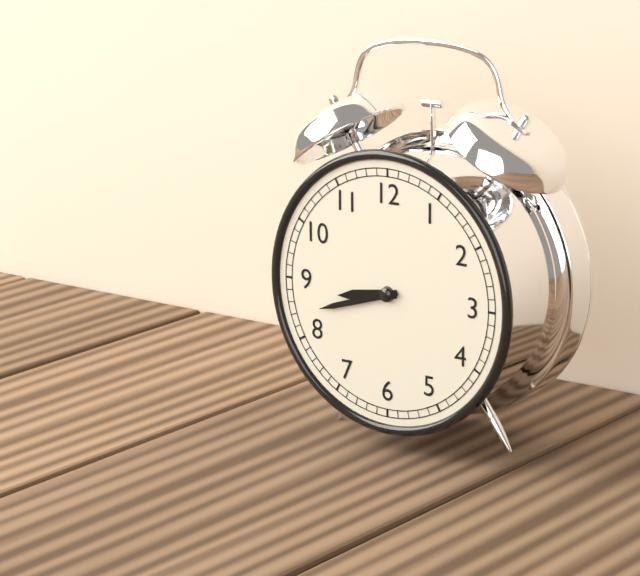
8:42
